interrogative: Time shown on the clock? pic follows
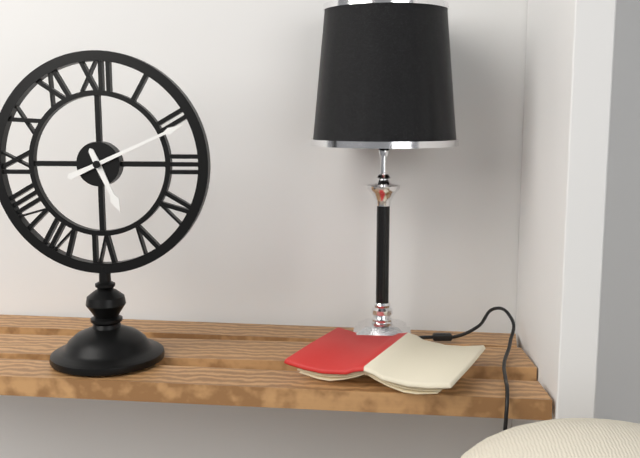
5:11
